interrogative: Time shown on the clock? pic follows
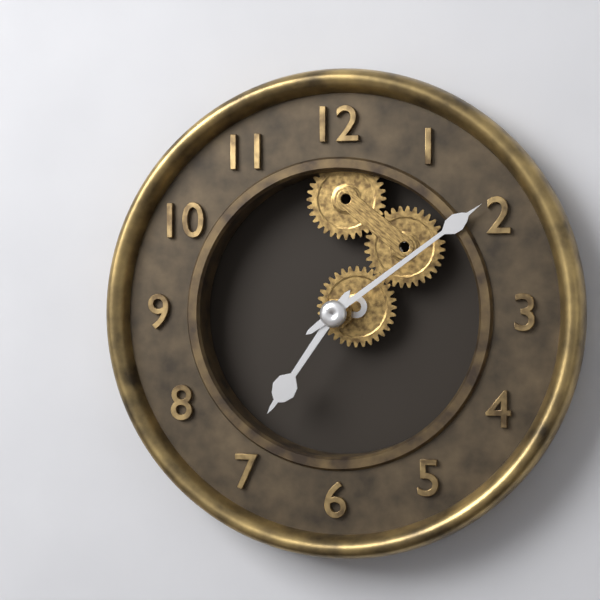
7:09
